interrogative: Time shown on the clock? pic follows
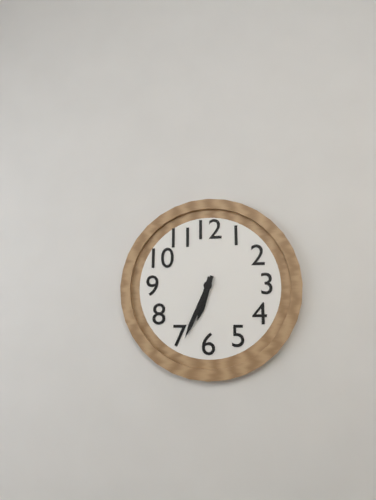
6:34
